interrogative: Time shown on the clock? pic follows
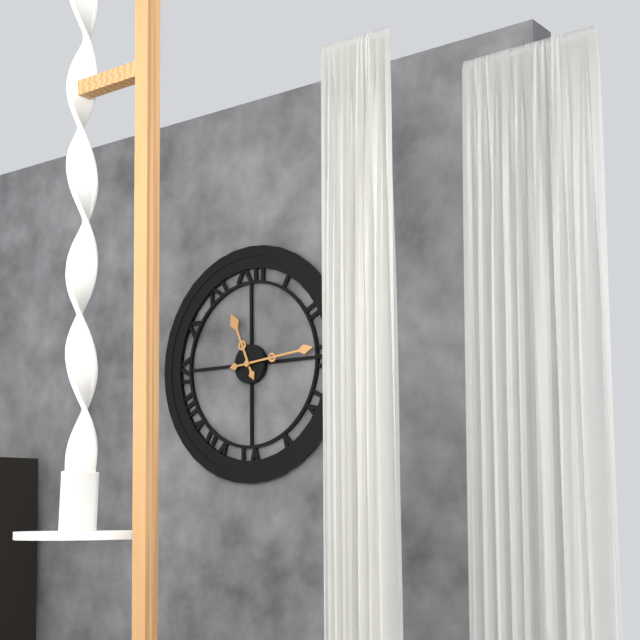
11:14
